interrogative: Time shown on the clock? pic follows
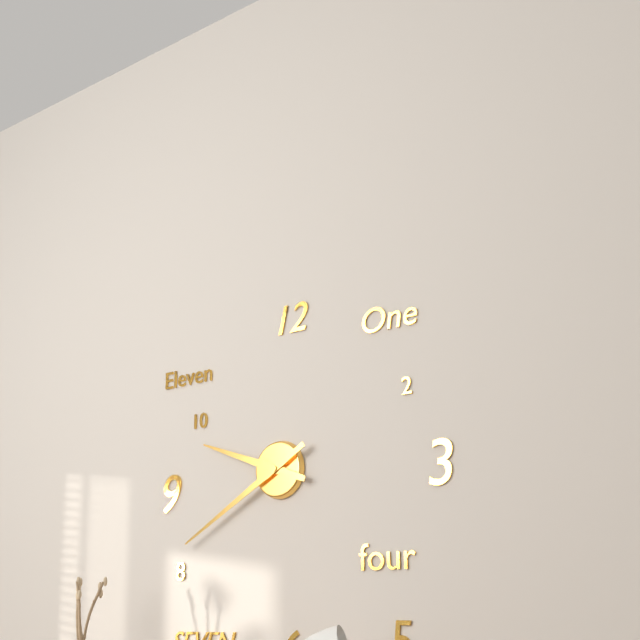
9:40
